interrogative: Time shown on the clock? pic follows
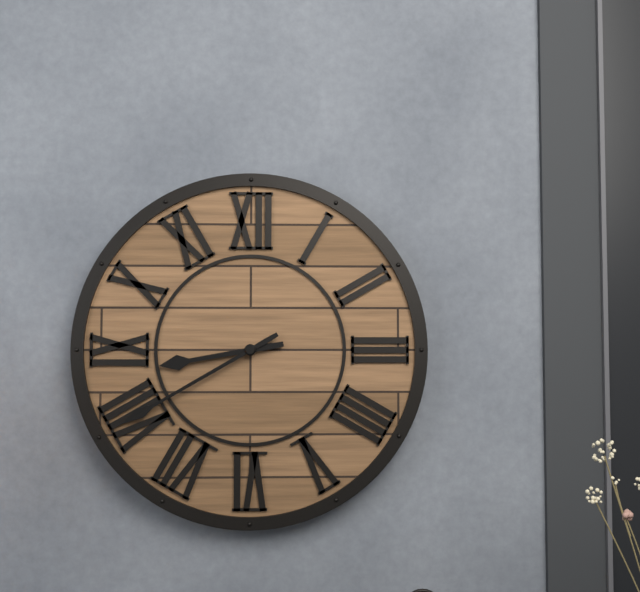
8:40
